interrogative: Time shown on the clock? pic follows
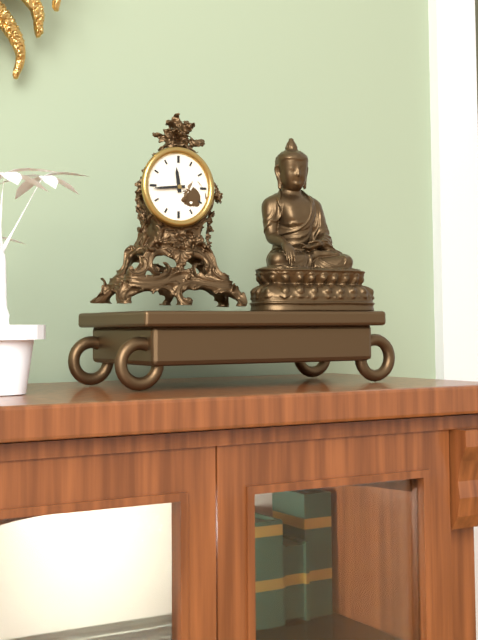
11:44
